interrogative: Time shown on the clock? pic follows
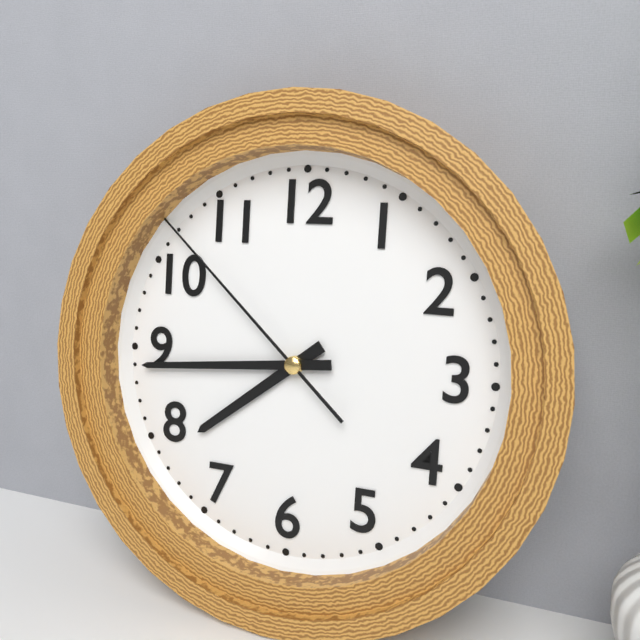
7:44:52
